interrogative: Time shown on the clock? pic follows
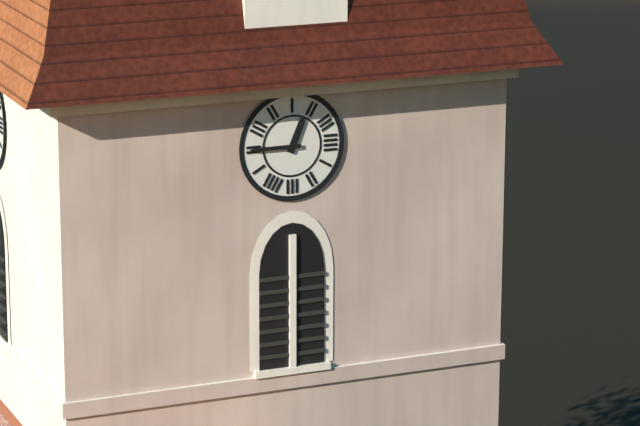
12:45
